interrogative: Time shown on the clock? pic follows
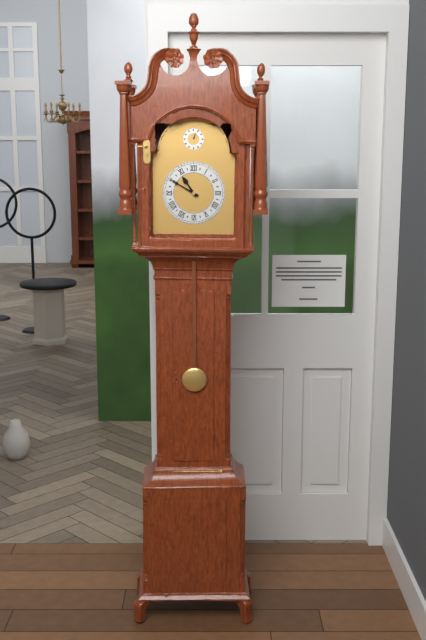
10:50
